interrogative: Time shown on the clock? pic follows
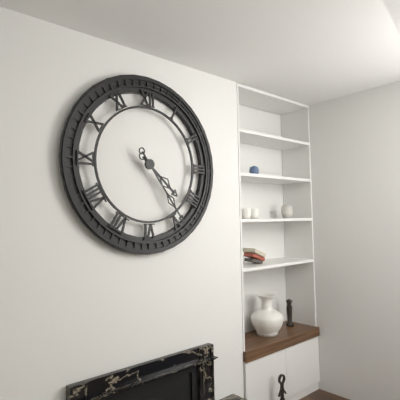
4:24
